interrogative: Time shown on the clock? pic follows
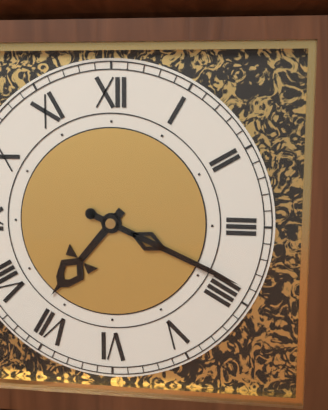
7:19
